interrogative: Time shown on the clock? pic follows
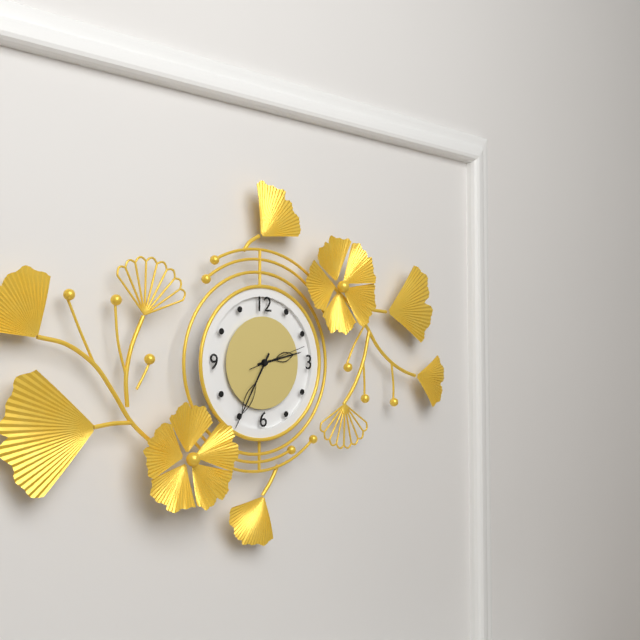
2:35:12
